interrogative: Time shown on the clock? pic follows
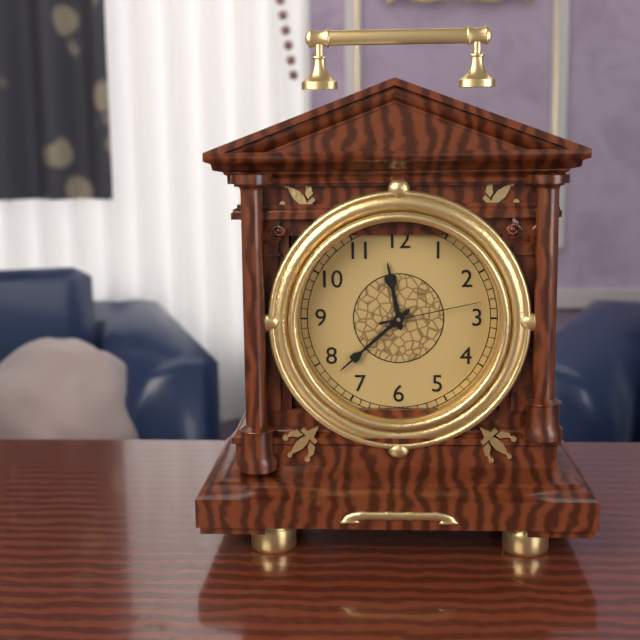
11:38:13
